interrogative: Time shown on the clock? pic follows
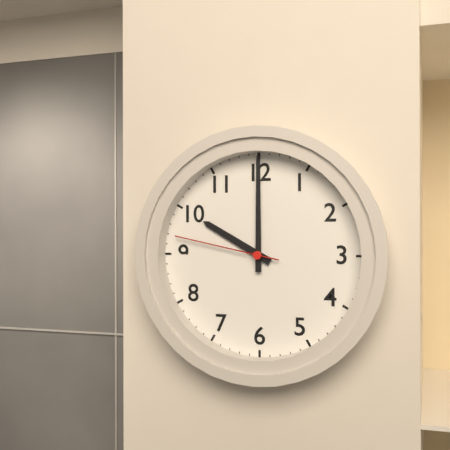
10:00:47
